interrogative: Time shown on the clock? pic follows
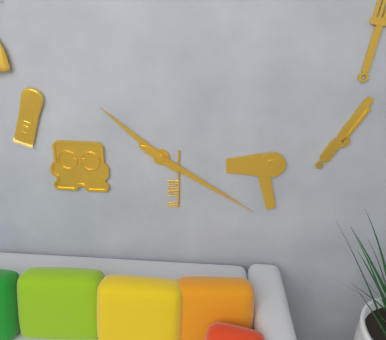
10:20
